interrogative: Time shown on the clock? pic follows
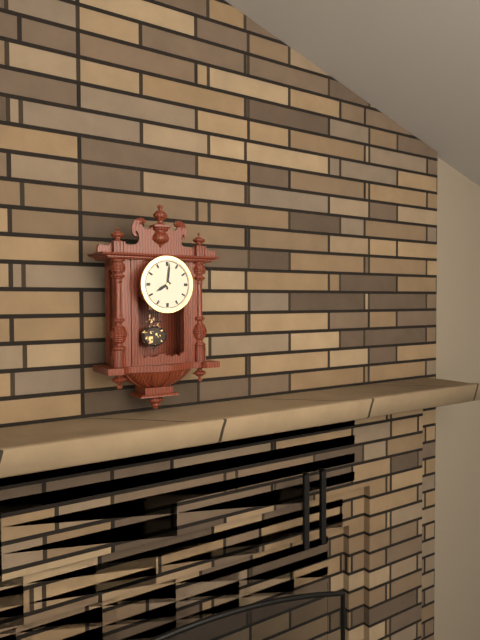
8:01
